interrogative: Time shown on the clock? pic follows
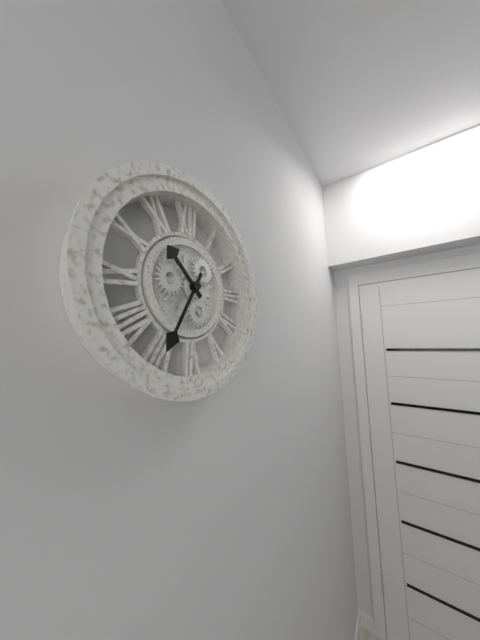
10:35
